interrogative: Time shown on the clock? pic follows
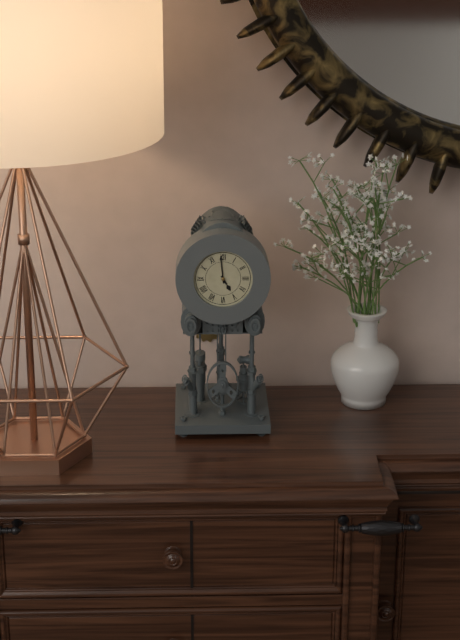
4:59
